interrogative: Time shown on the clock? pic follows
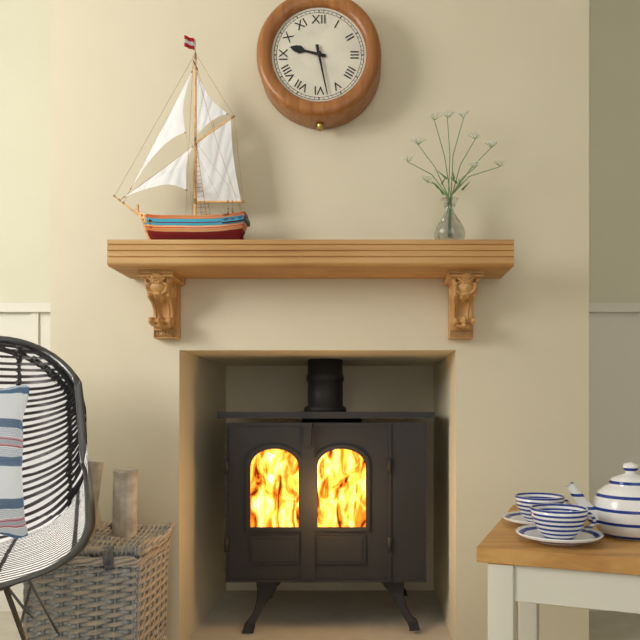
9:28
